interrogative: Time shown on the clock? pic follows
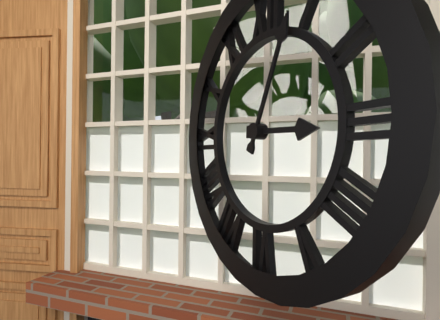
3:04
